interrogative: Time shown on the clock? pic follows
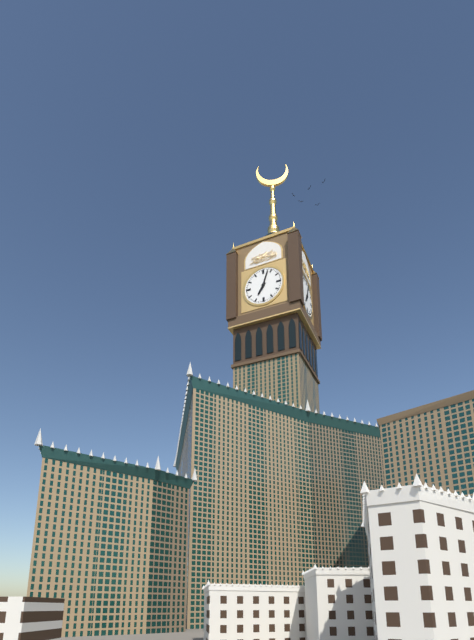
7:03
